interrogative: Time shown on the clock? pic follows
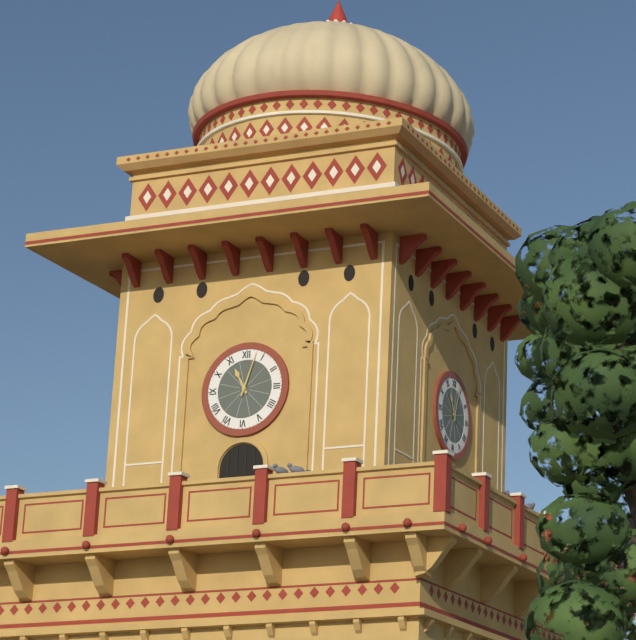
11:03
